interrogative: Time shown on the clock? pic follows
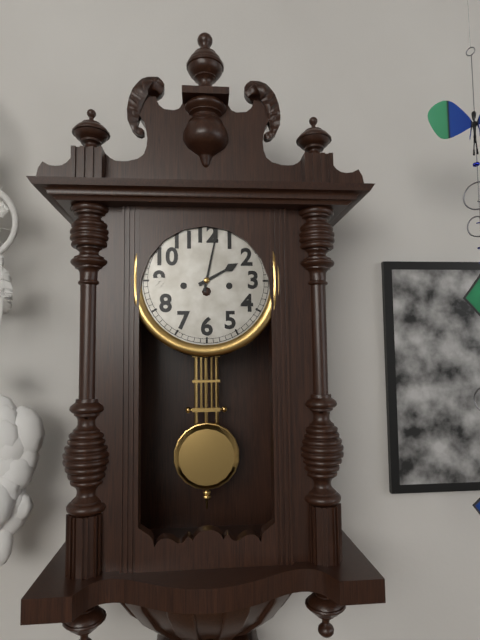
2:02
